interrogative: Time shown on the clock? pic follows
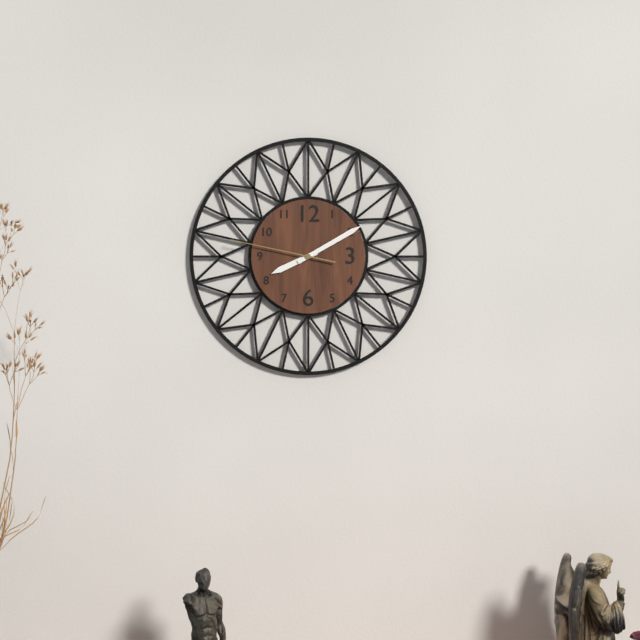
8:10:47
